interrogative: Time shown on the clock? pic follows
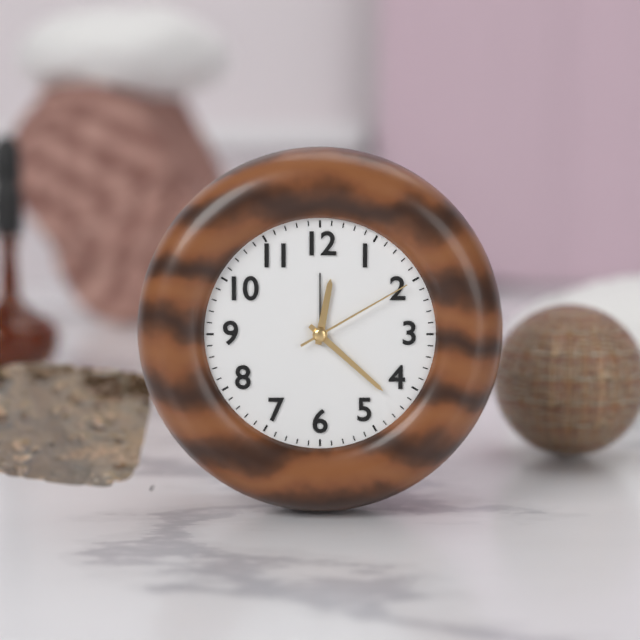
12:22:10
